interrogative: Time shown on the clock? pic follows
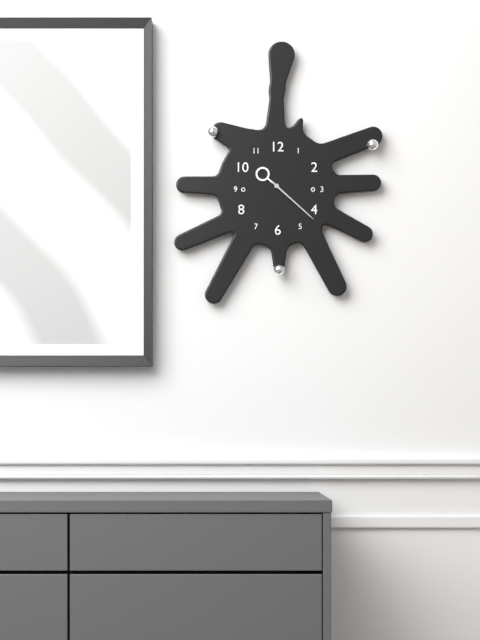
10:22
